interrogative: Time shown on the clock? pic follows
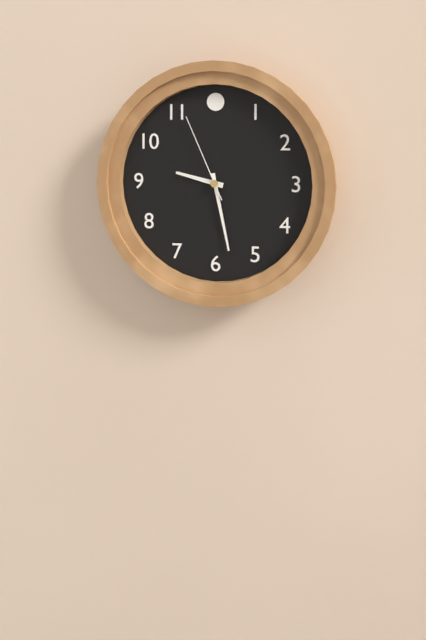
9:28:56
